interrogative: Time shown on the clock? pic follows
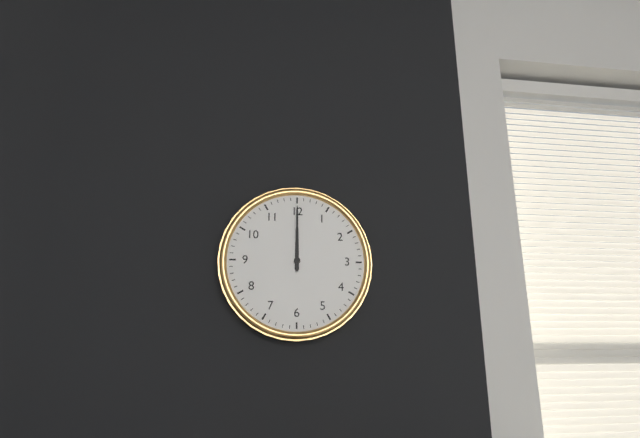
12:00
